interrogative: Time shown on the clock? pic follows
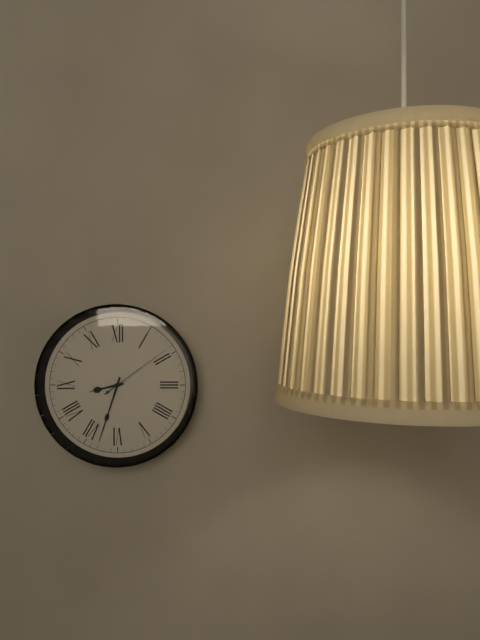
8:33:09
